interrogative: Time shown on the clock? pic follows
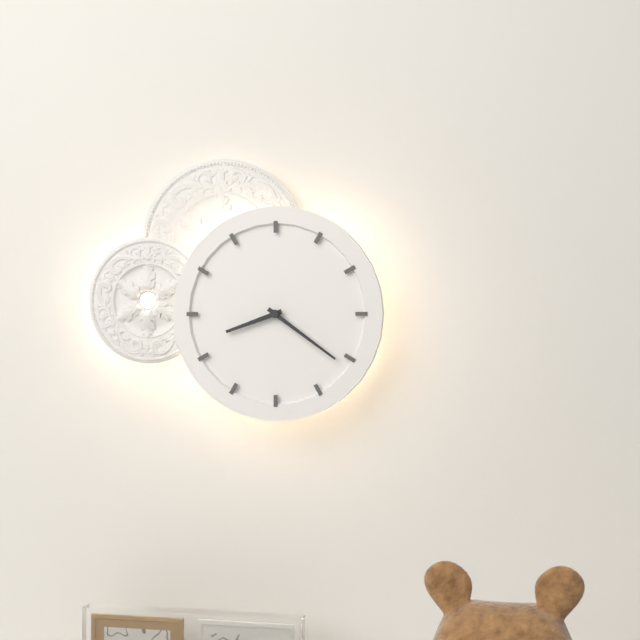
8:21
